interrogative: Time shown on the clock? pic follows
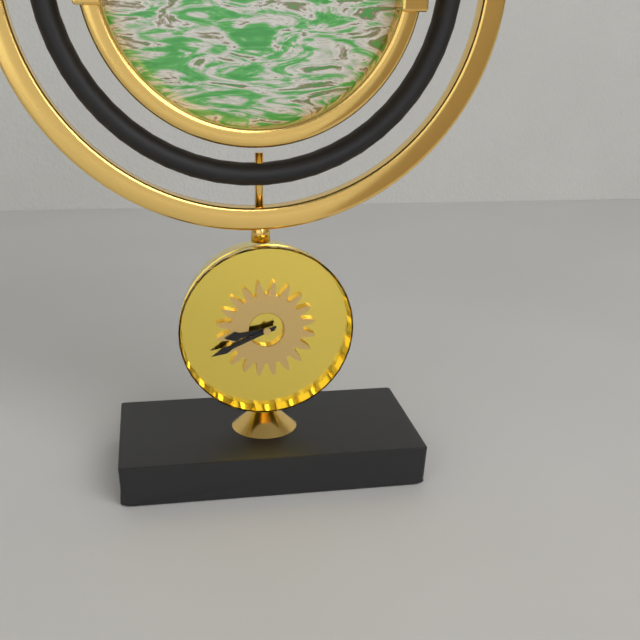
8:41
